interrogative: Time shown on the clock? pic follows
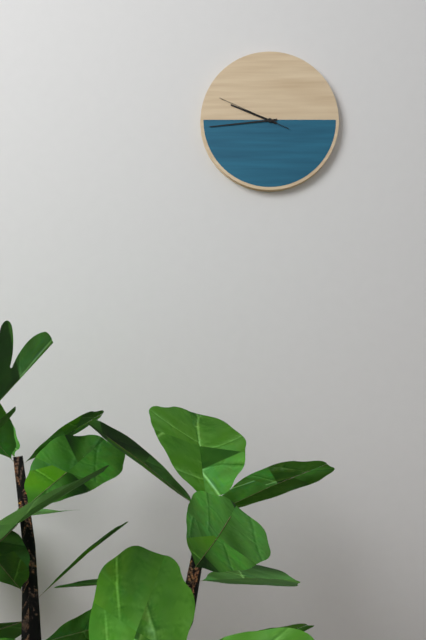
9:44:49
